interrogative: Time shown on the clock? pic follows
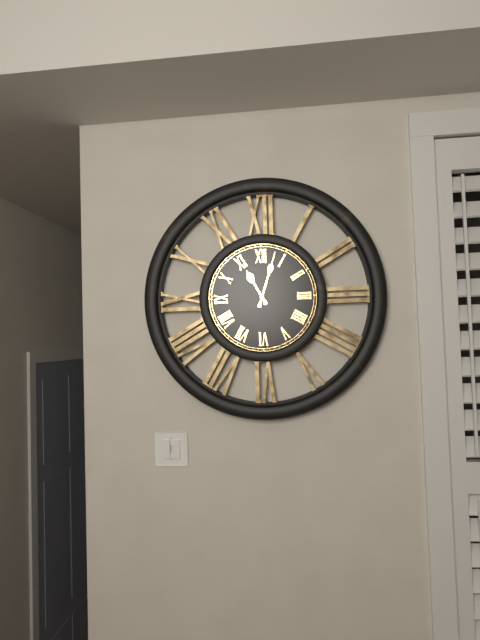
11:03
